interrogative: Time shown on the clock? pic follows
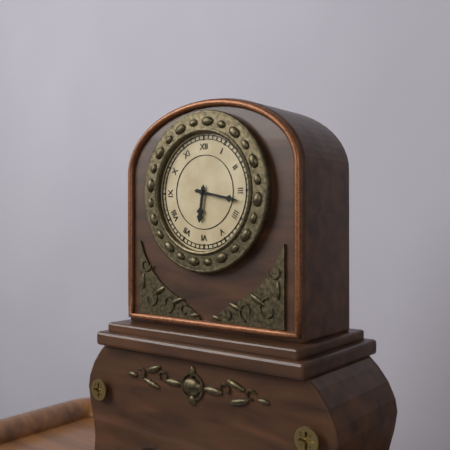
6:17
